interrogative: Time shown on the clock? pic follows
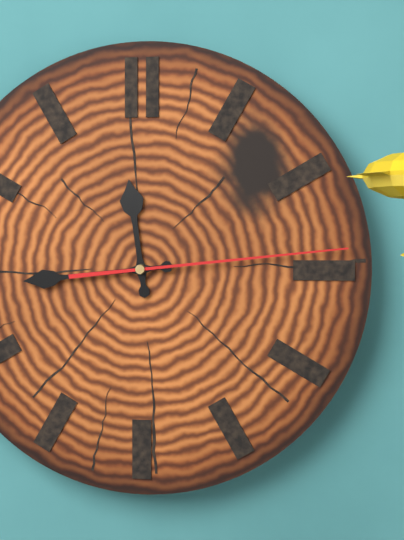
11:44:14
